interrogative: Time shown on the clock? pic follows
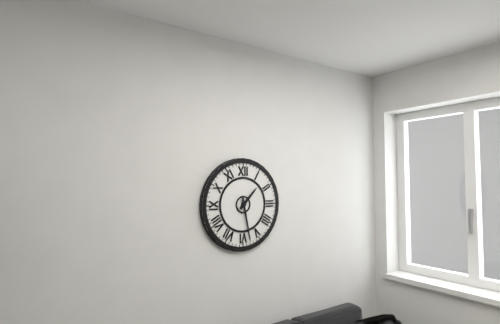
1:28
